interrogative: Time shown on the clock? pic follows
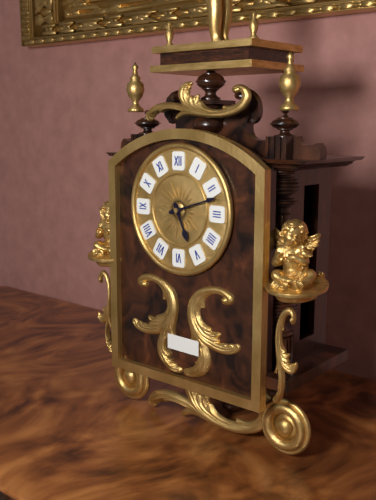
5:12
